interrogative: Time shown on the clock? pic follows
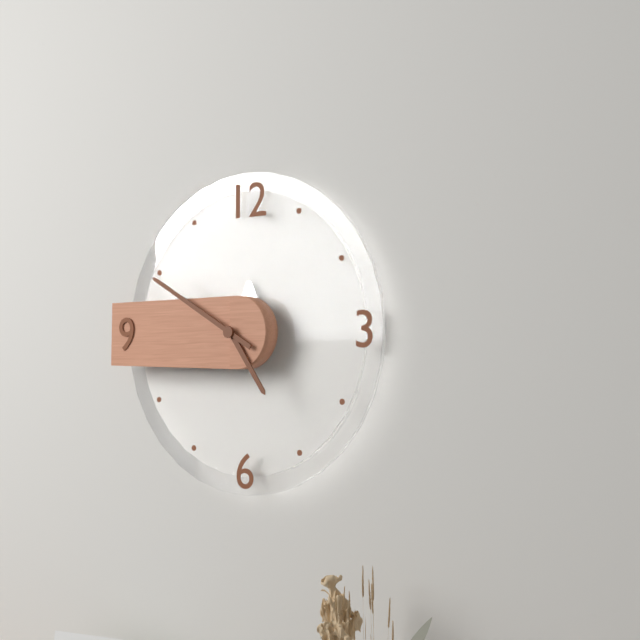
4:50
